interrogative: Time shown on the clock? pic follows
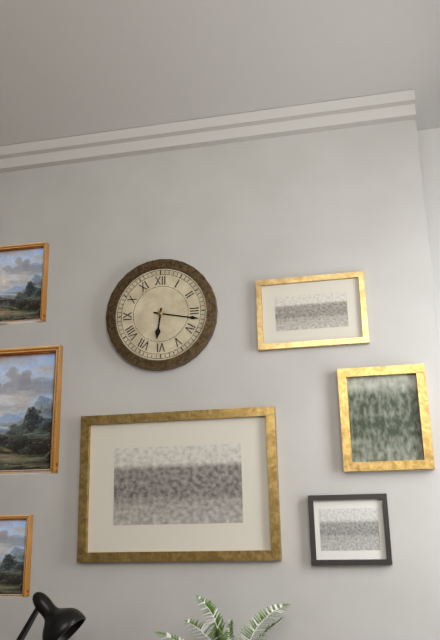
6:17
